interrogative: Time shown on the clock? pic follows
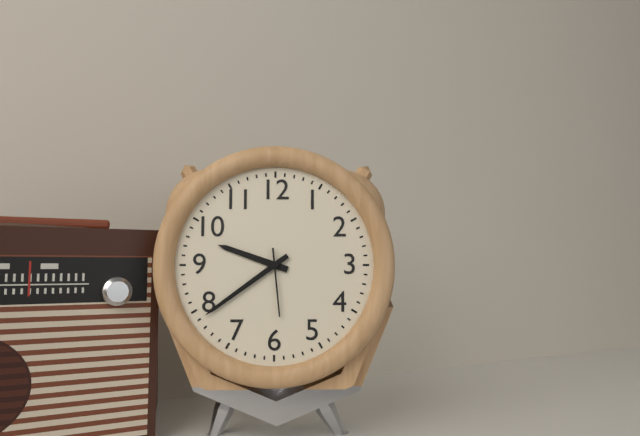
9:39:29
